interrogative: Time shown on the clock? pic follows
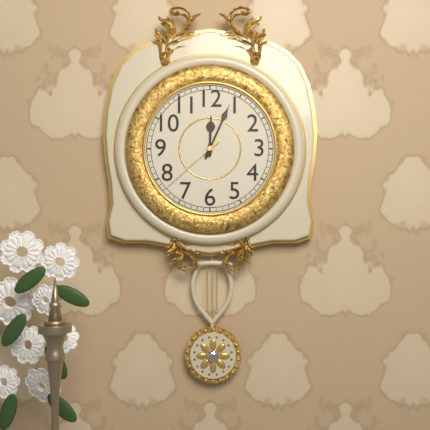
12:04:38
